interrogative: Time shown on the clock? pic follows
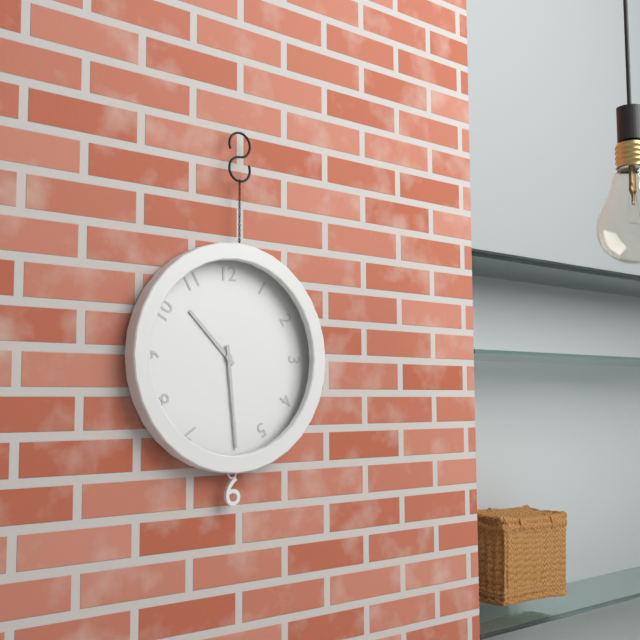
10:29
